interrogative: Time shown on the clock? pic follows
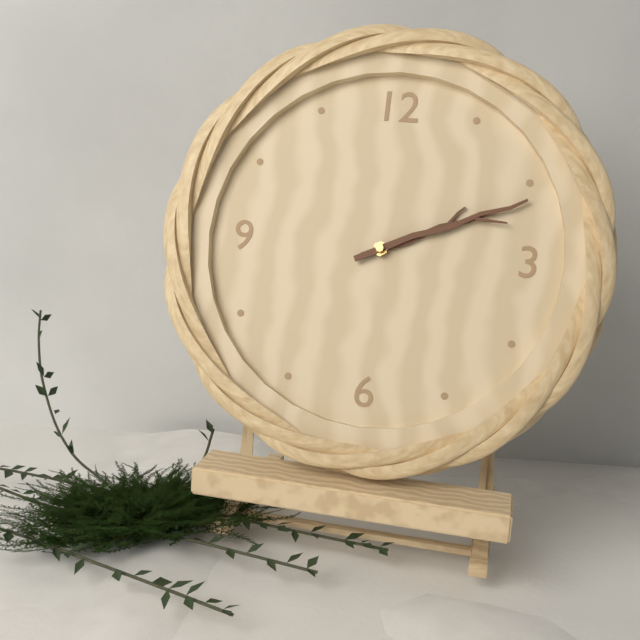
2:11
